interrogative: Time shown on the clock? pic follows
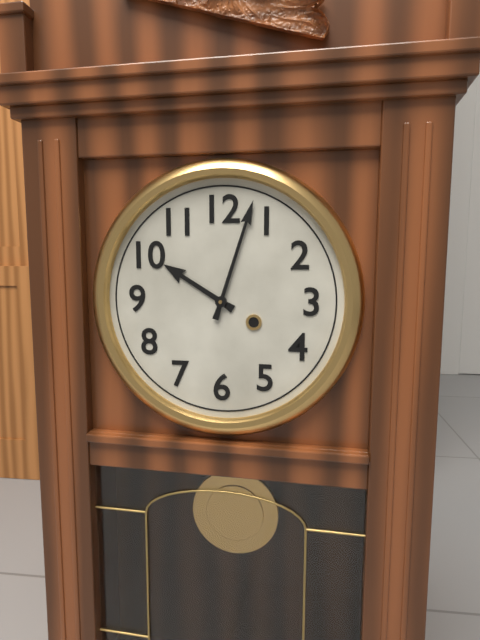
10:03
